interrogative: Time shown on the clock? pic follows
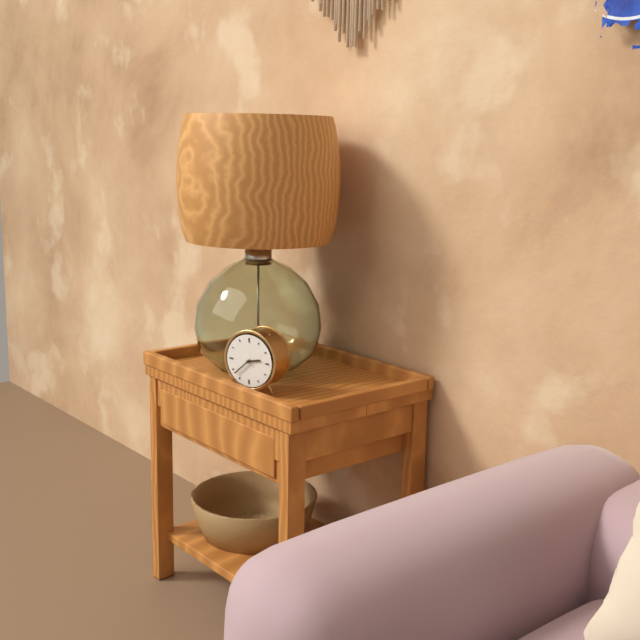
2:38
